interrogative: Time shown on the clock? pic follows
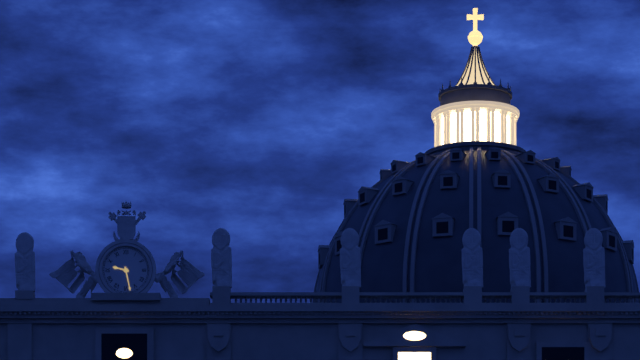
9:28
